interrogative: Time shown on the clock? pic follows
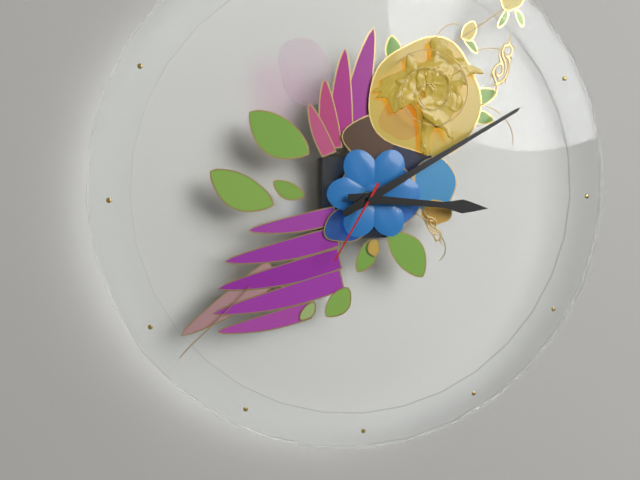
3:10:35
